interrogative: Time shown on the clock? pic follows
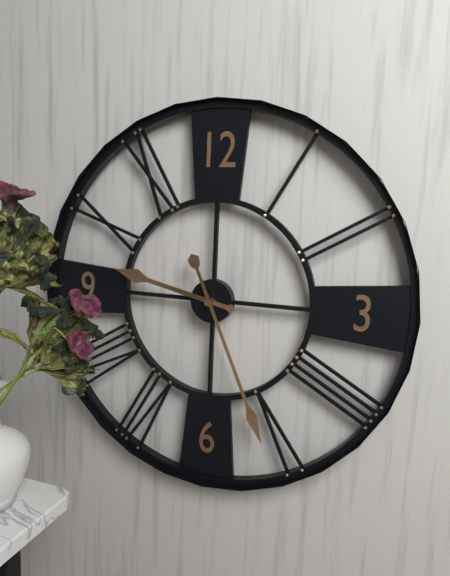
9:26
